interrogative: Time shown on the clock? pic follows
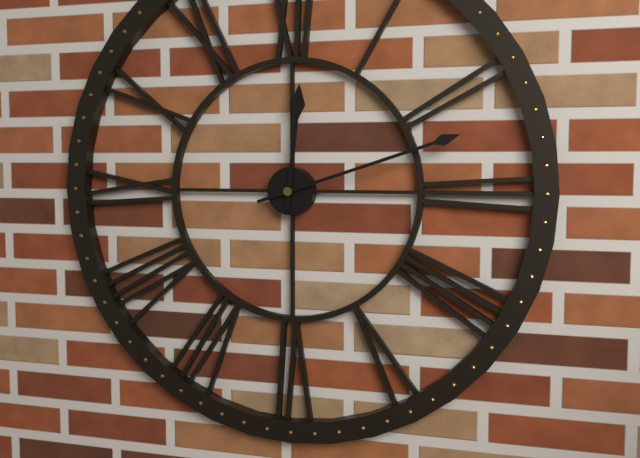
12:12
